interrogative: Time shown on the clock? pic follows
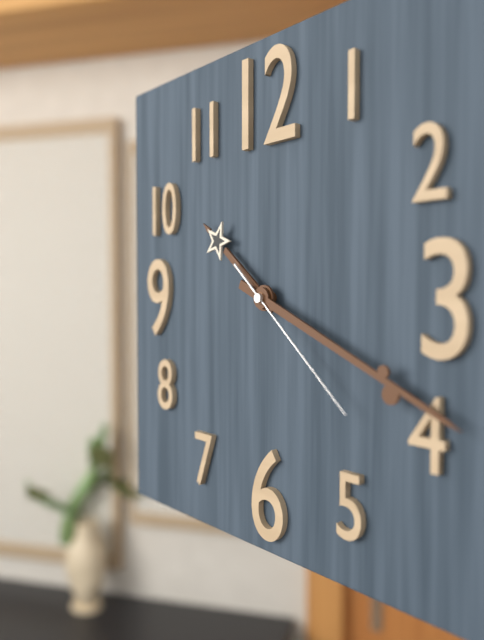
10:19:22
